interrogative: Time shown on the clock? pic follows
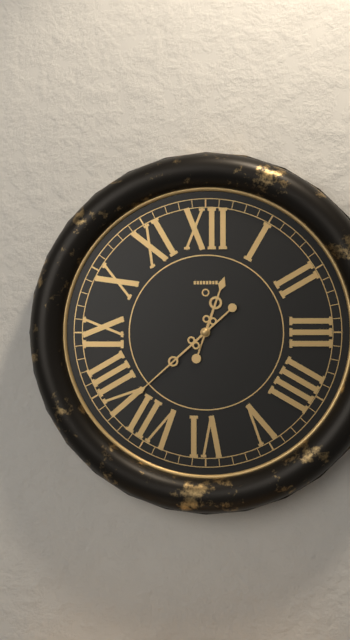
12:38
